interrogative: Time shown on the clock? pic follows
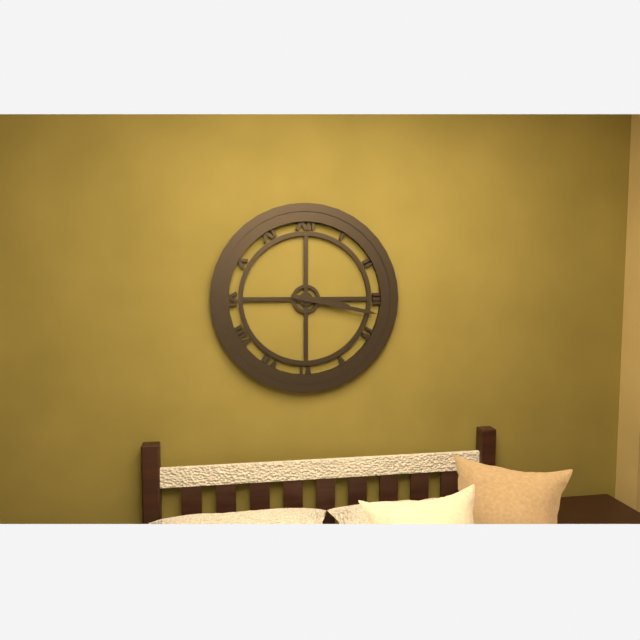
3:17
